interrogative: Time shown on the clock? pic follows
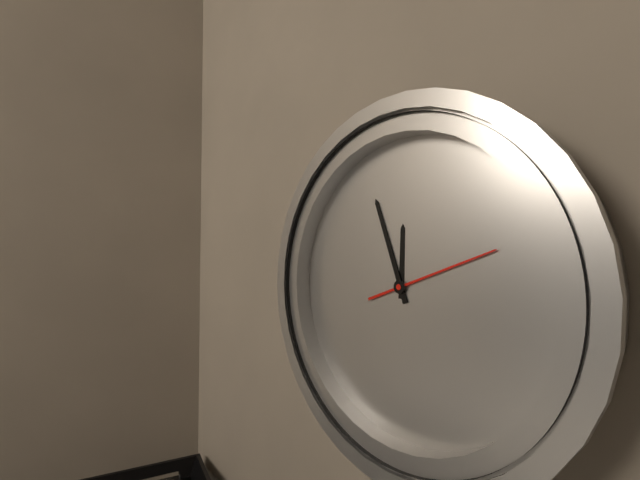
11:56:11
